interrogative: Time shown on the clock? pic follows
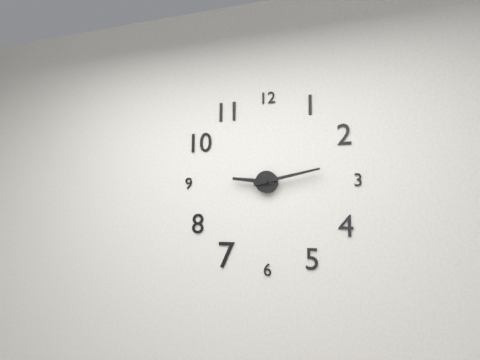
9:13
